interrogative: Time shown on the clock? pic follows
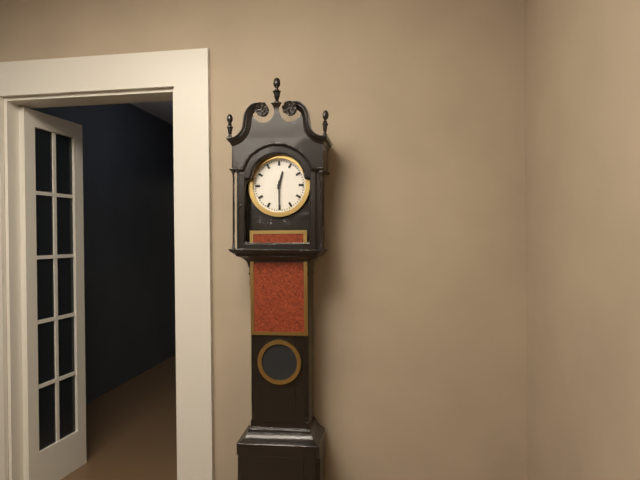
12:30
